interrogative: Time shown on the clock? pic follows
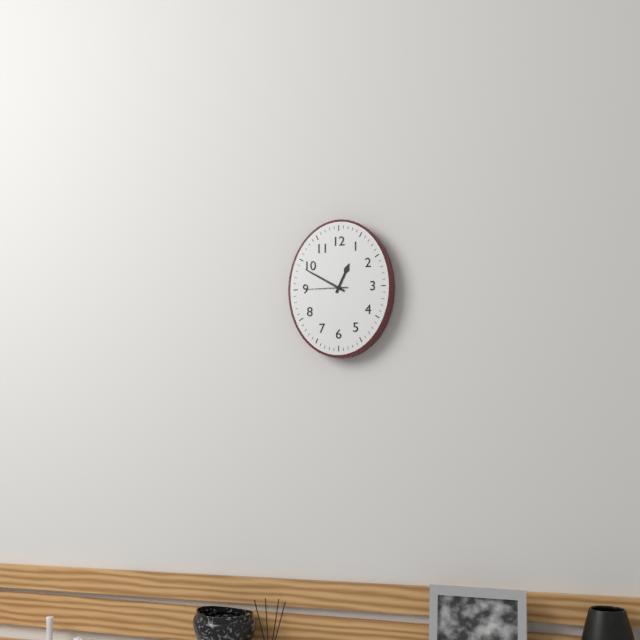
12:50
